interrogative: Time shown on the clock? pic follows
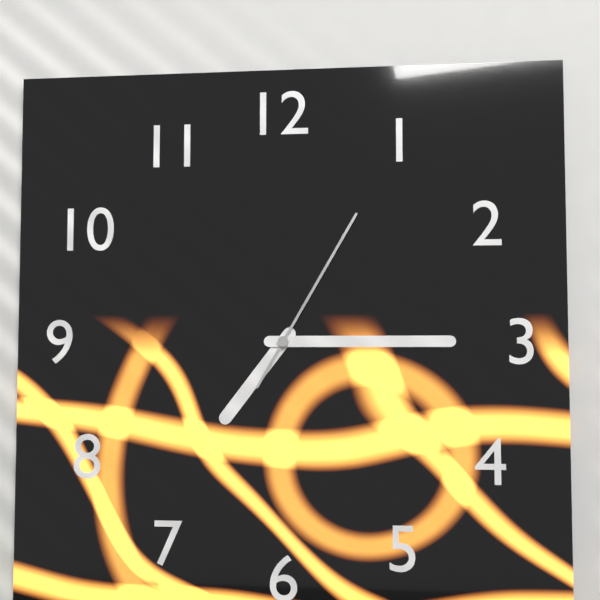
7:15:05
